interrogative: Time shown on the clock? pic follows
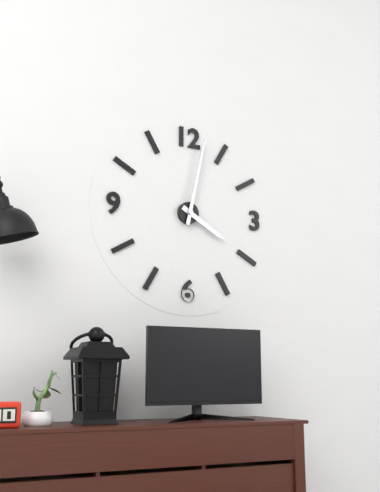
4:02
